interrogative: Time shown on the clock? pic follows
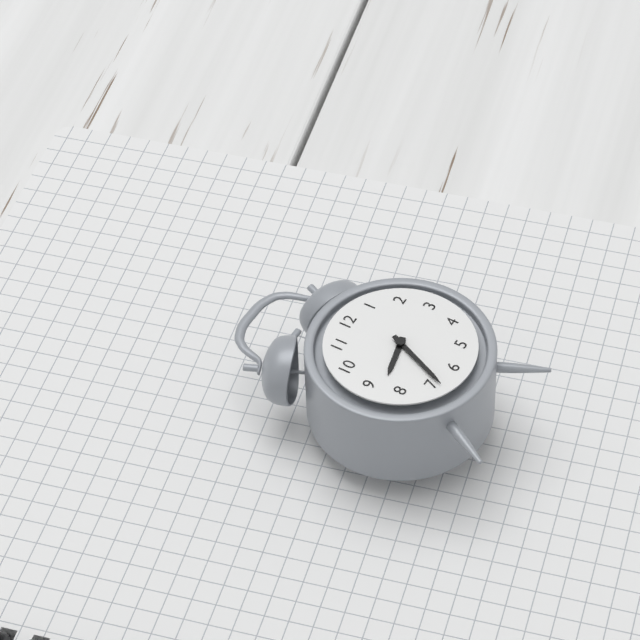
8:34
